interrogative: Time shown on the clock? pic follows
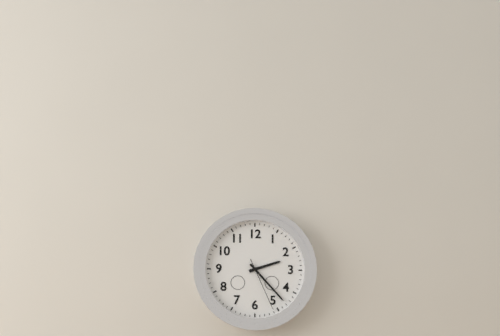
2:23:26
